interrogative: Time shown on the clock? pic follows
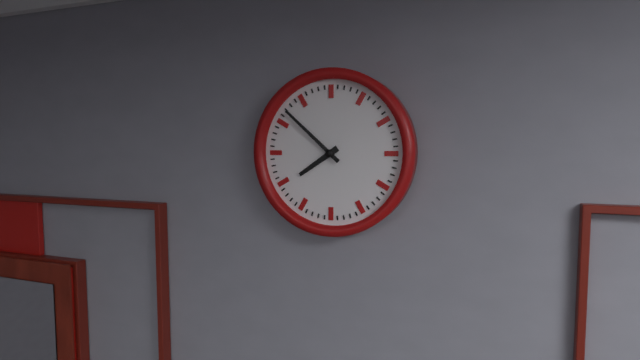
7:52
